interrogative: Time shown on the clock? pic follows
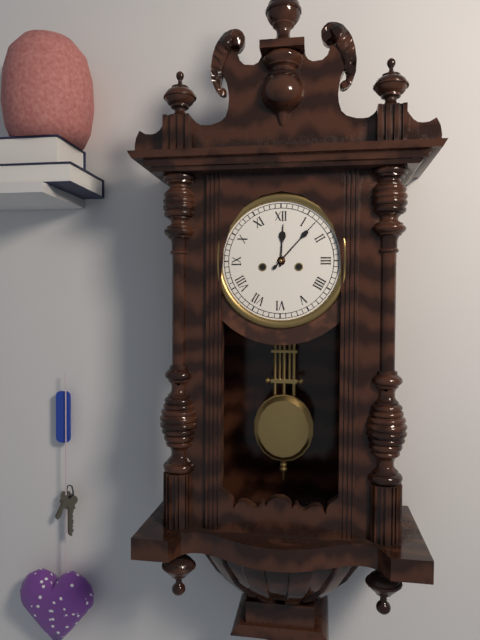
12:07
